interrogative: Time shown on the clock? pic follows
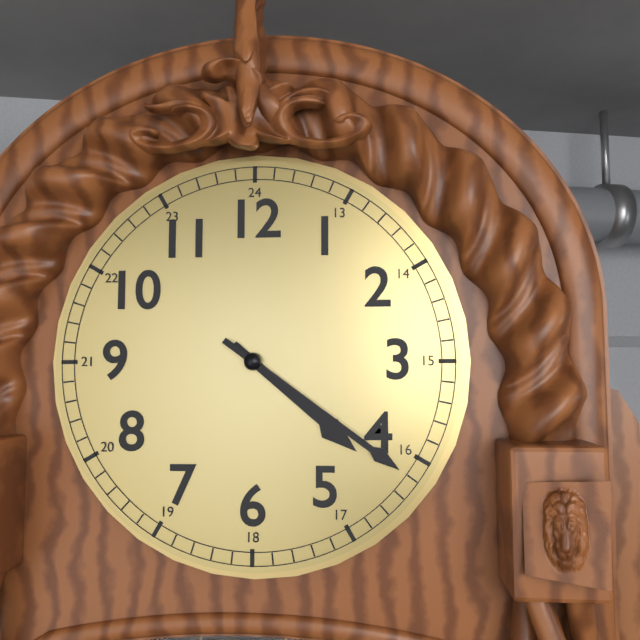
4:21
